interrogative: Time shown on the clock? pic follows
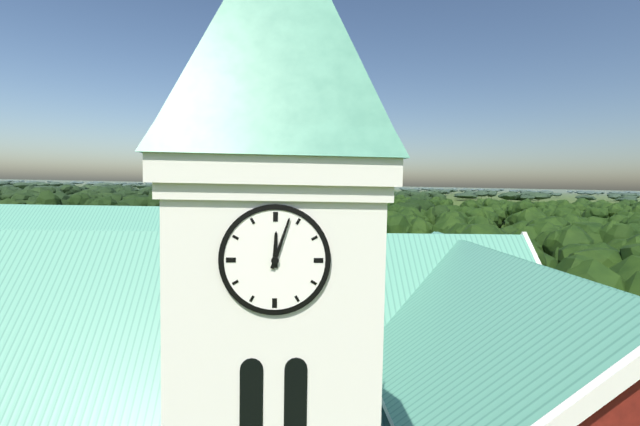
12:03
